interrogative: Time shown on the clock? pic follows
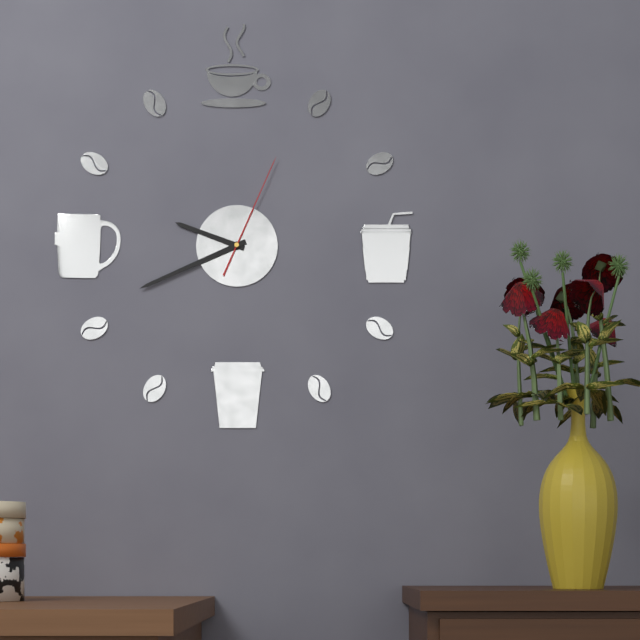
9:41:04
